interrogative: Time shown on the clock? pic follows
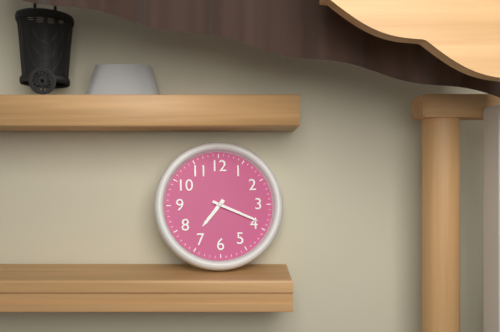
7:19
